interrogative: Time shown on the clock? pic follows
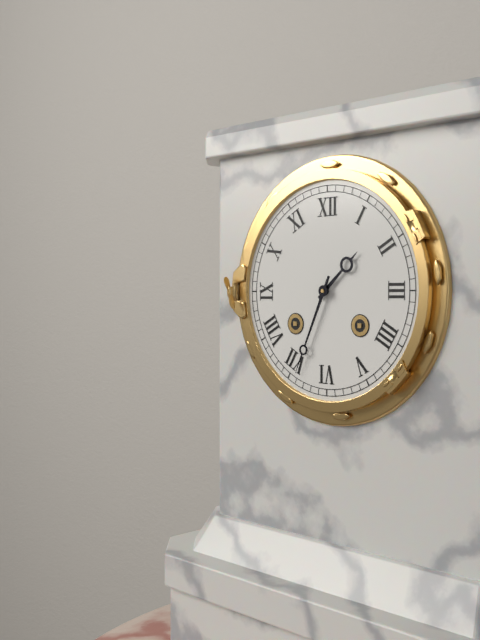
1:34
